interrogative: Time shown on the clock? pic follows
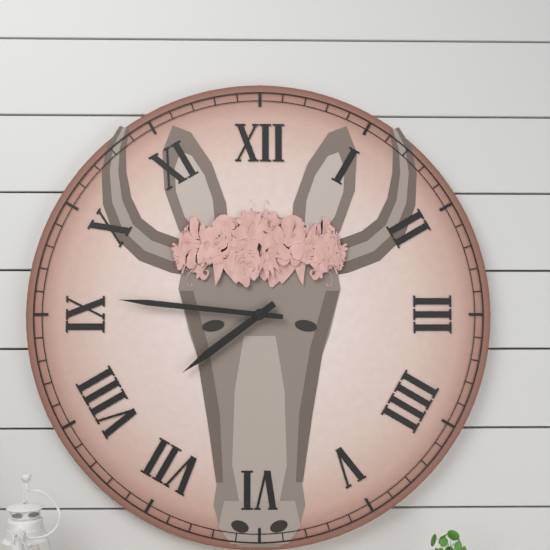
7:46
